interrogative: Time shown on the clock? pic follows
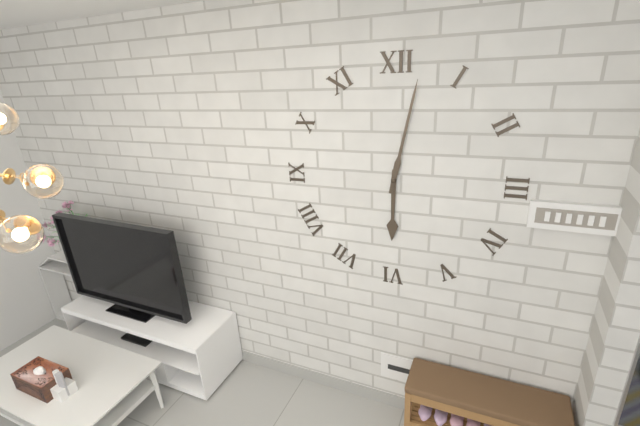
6:02
